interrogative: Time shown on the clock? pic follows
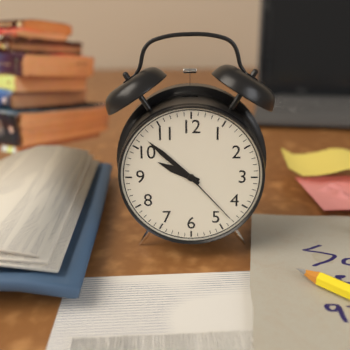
9:52:23
